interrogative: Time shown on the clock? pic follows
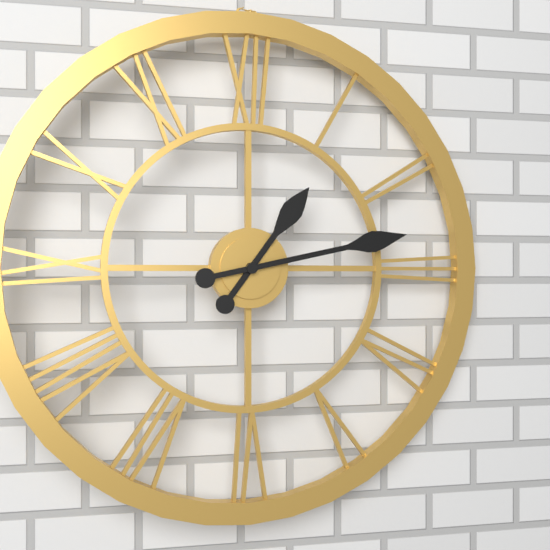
1:13
